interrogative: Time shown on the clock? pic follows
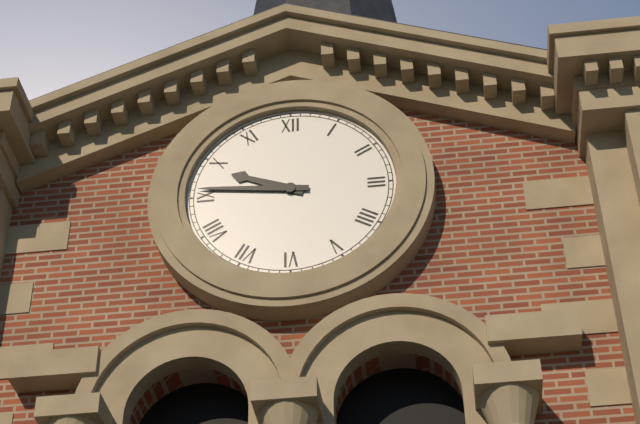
9:46
